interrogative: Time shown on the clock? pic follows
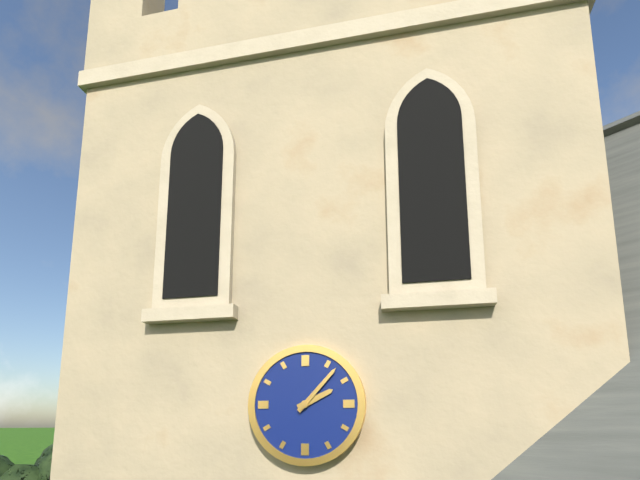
2:07
